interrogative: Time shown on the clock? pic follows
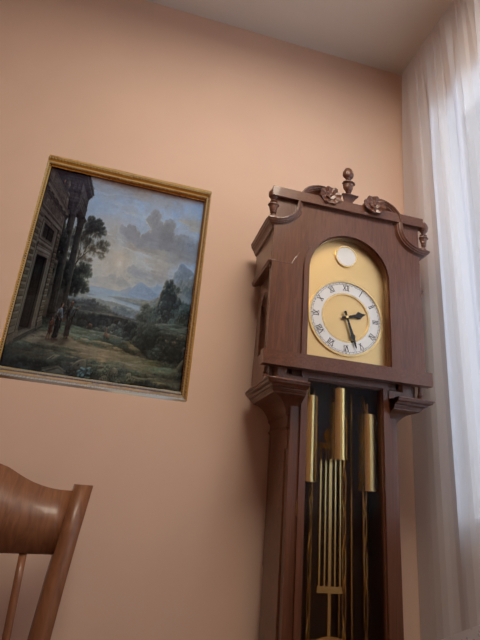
2:27
